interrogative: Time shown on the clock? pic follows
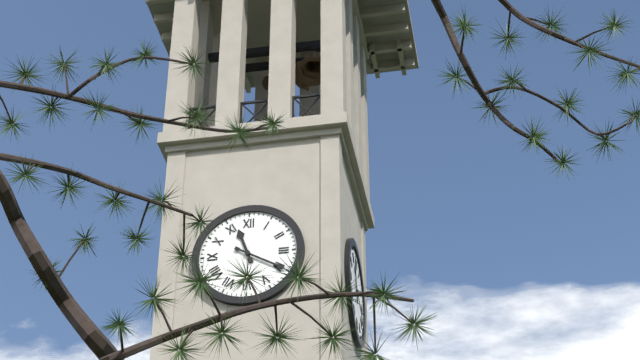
11:20
